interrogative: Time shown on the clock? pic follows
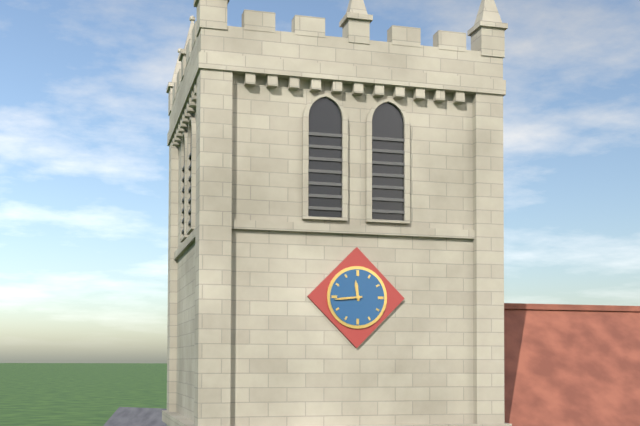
11:44
